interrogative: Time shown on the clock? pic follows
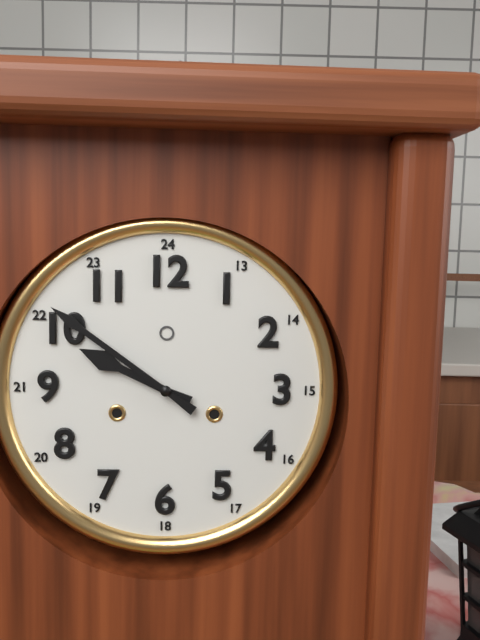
9:51
